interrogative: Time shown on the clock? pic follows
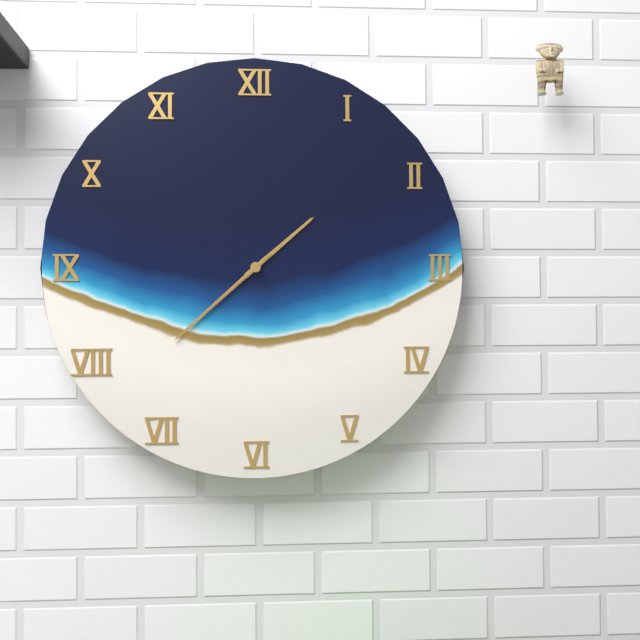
1:38:38
